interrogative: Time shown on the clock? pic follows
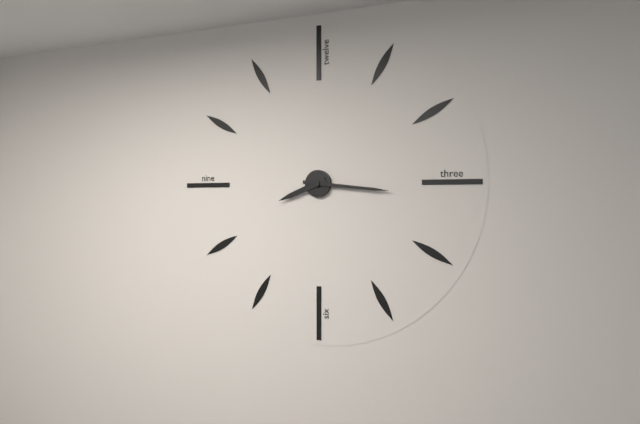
8:16
